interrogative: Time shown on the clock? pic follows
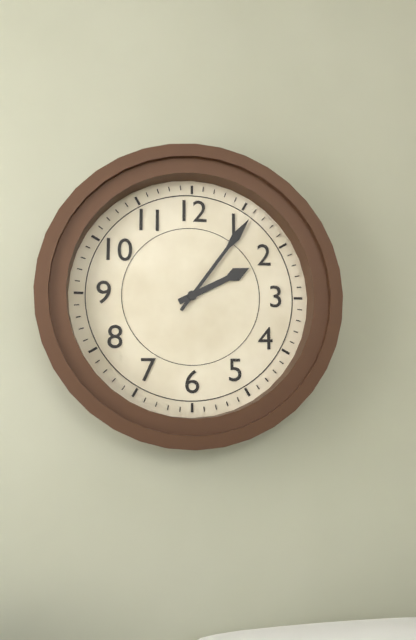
2:06
